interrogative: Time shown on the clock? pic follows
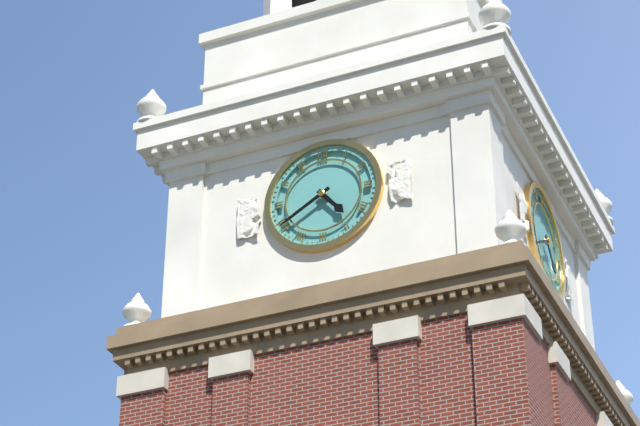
4:40
